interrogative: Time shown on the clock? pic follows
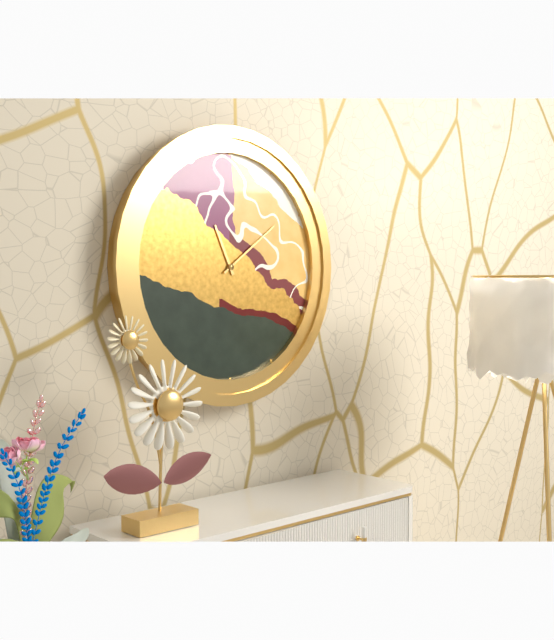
11:09
